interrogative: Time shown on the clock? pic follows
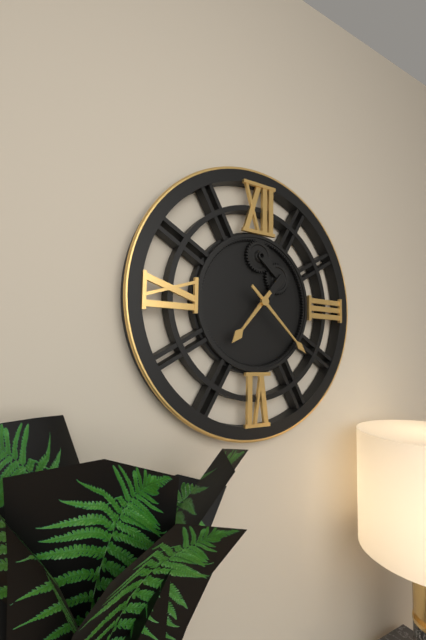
7:22
